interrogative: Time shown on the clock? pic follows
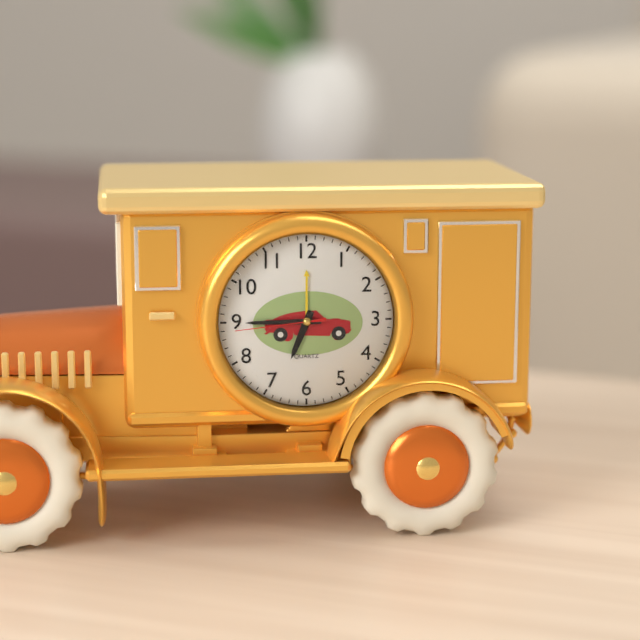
6:45:44
